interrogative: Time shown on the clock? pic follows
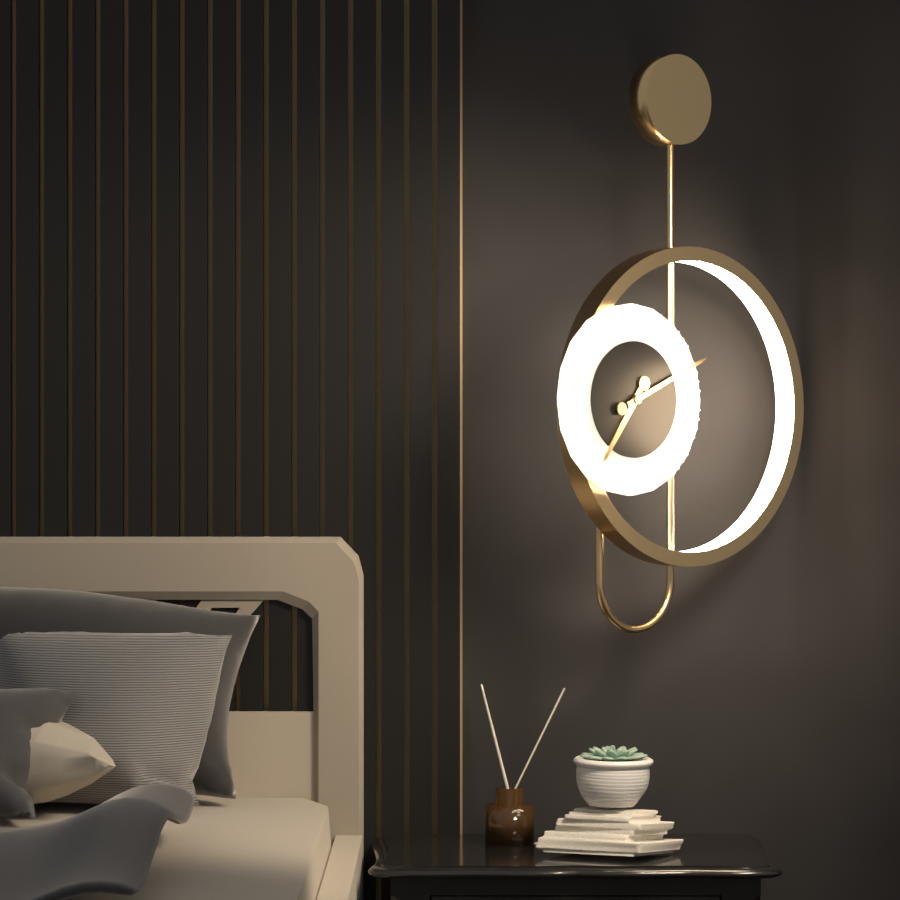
7:11
